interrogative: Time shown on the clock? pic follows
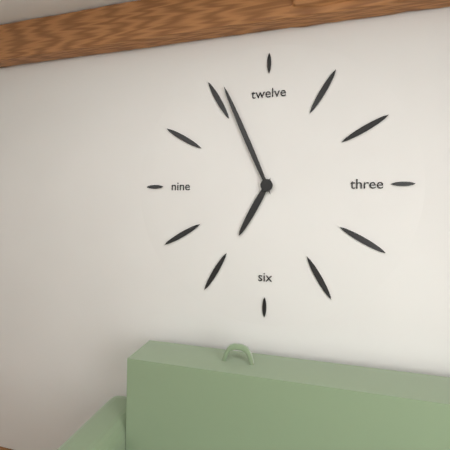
6:56
